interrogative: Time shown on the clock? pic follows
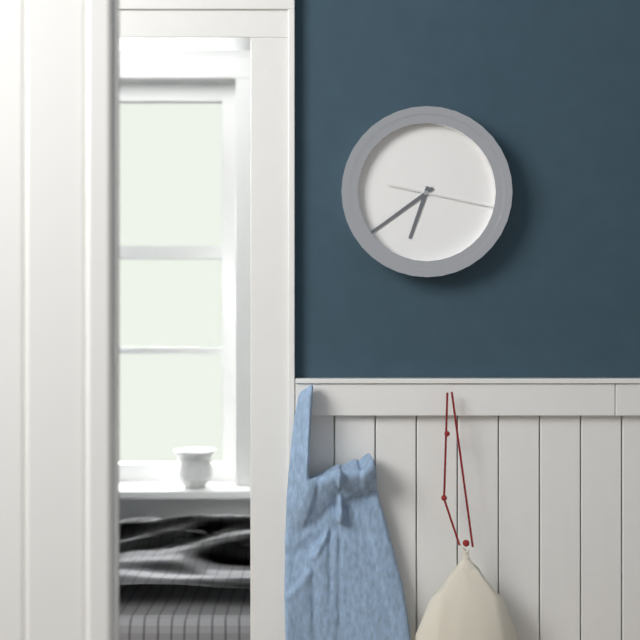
6:39:17
